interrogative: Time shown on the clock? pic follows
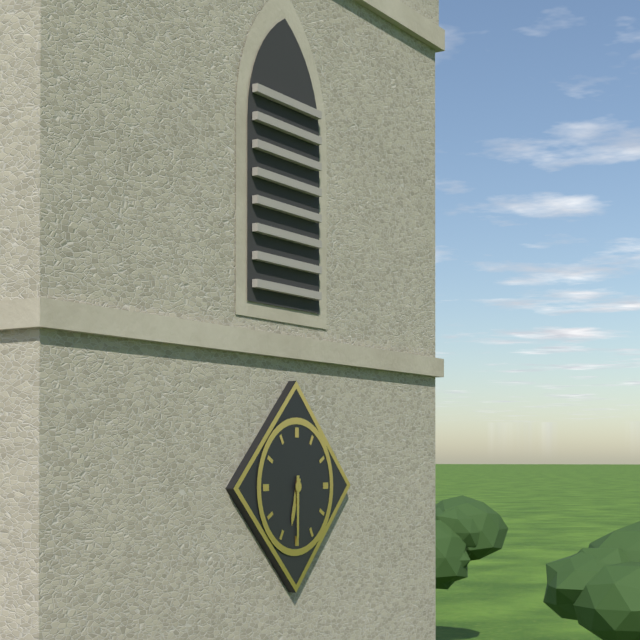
6:30
